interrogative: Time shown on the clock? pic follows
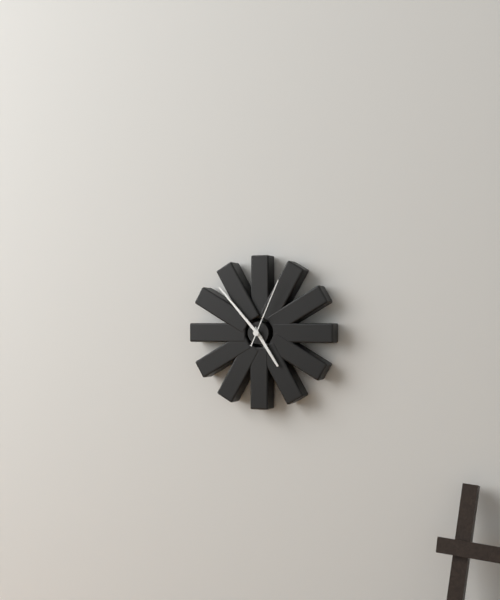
4:53:04
